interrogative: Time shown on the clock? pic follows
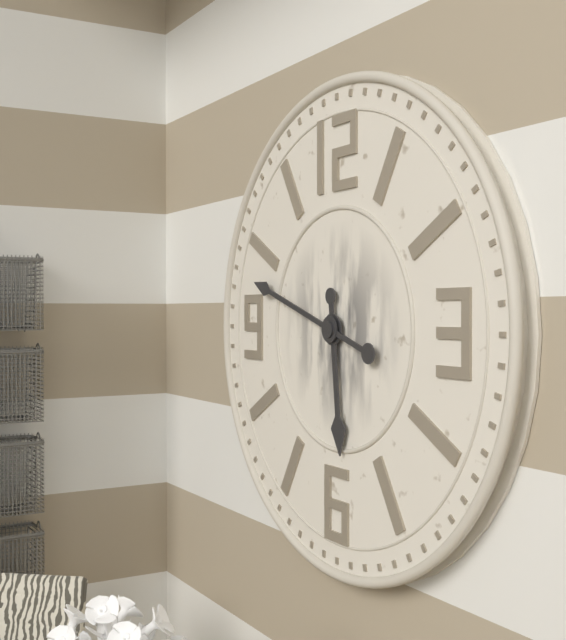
5:48
